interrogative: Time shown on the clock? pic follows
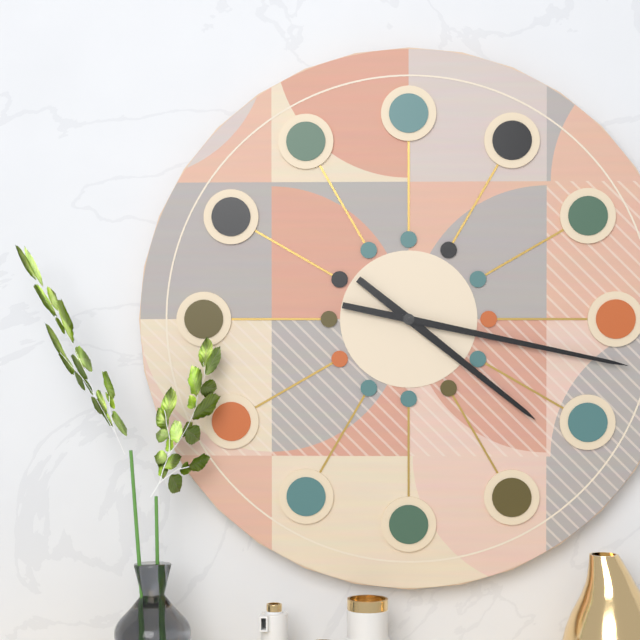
4:17
